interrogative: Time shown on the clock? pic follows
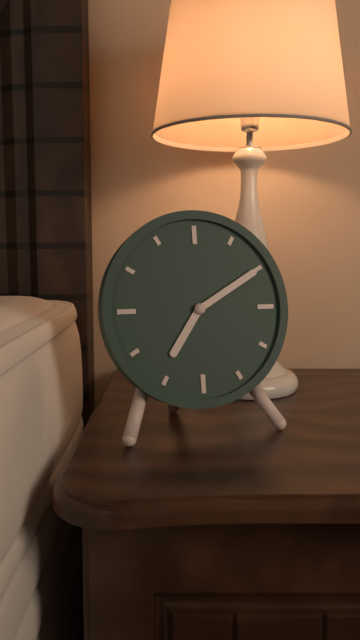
7:10
